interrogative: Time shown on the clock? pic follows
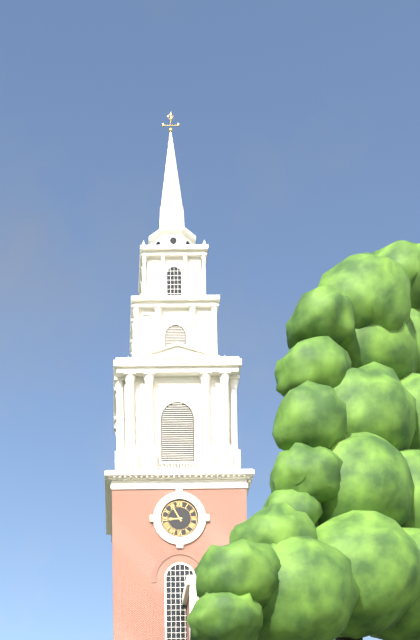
8:55
